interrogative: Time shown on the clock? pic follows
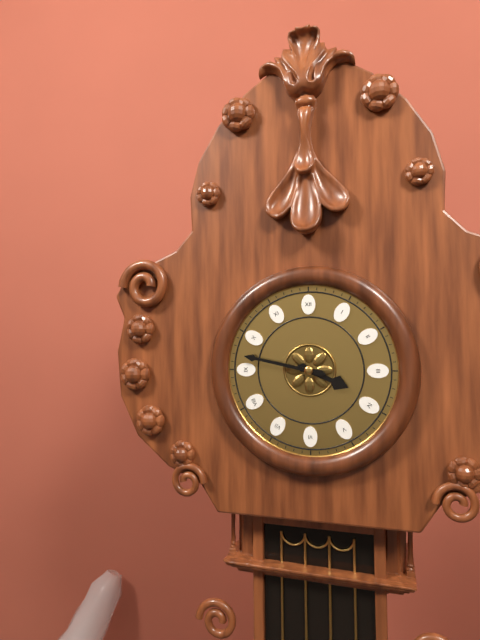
3:47
